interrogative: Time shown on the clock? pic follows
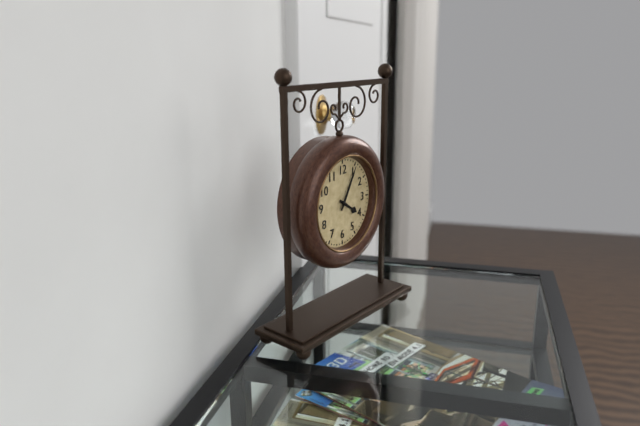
4:05
